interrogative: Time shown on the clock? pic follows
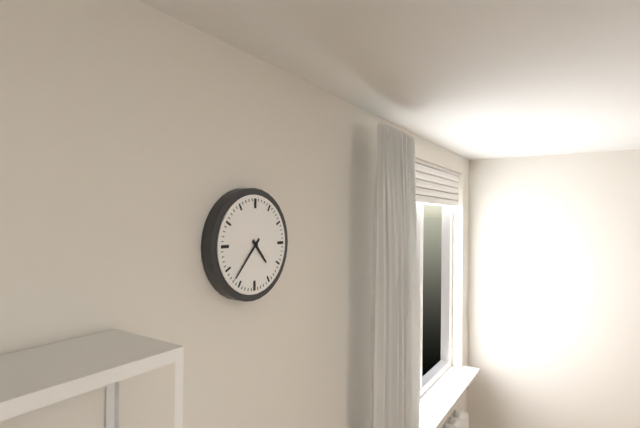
4:37
